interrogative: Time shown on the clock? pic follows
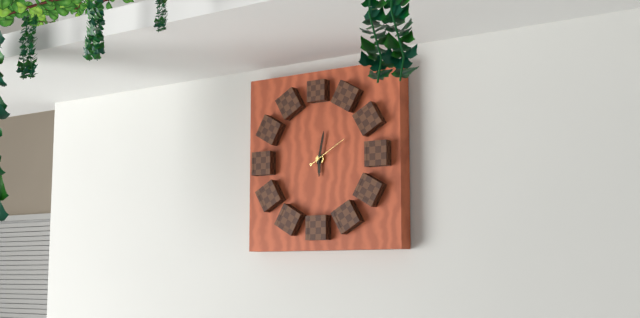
6:02
